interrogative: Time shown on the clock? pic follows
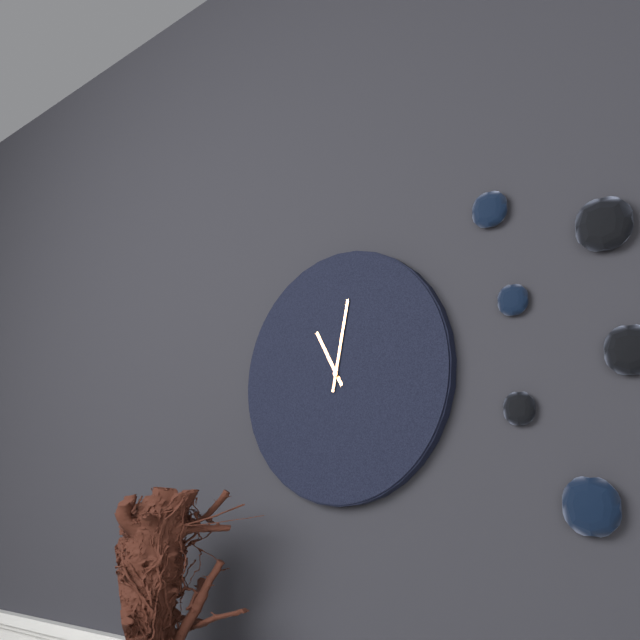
11:02
